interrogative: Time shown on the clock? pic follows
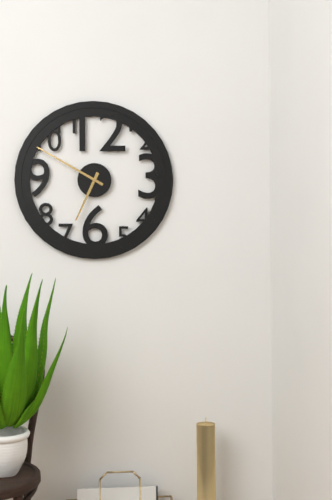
6:50
